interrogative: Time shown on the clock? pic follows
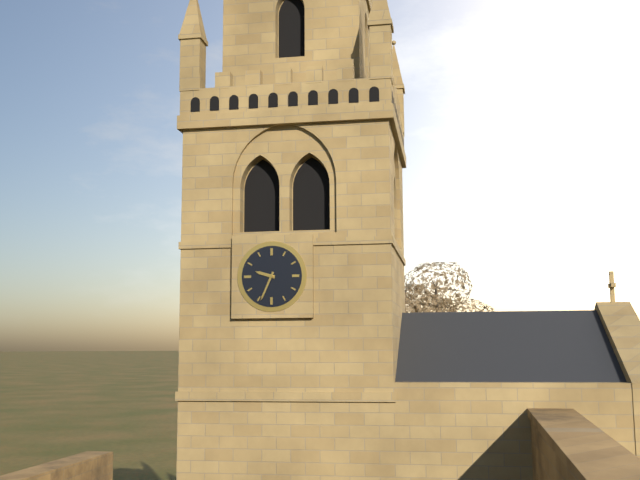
9:34
